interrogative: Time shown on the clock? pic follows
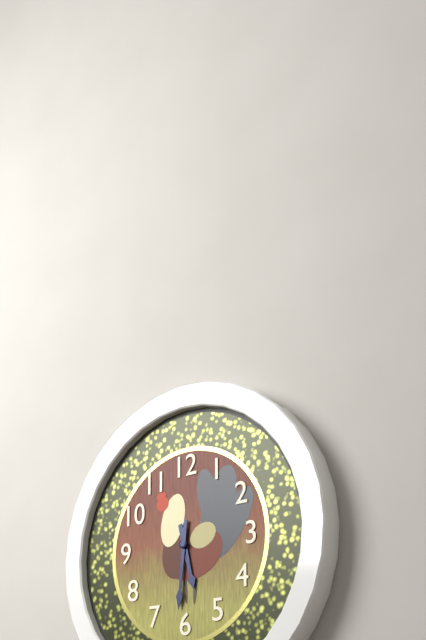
5:31
